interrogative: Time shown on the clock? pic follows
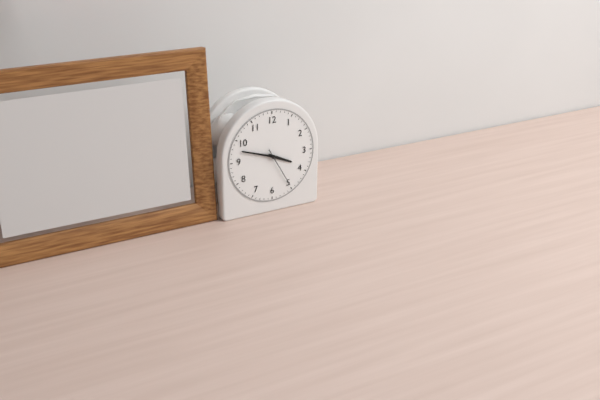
3:48
